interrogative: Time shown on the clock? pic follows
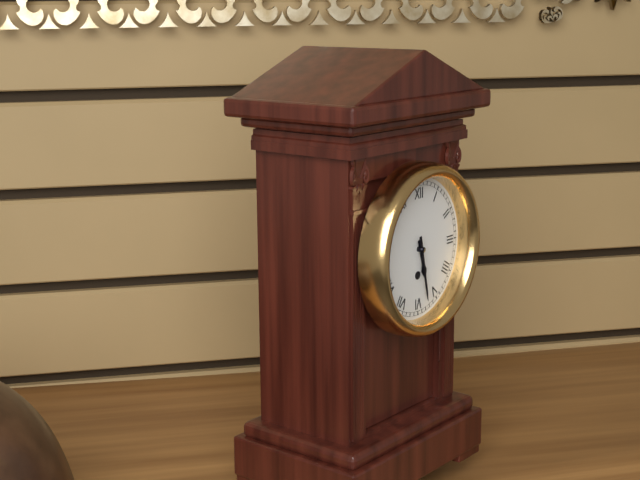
5:28
